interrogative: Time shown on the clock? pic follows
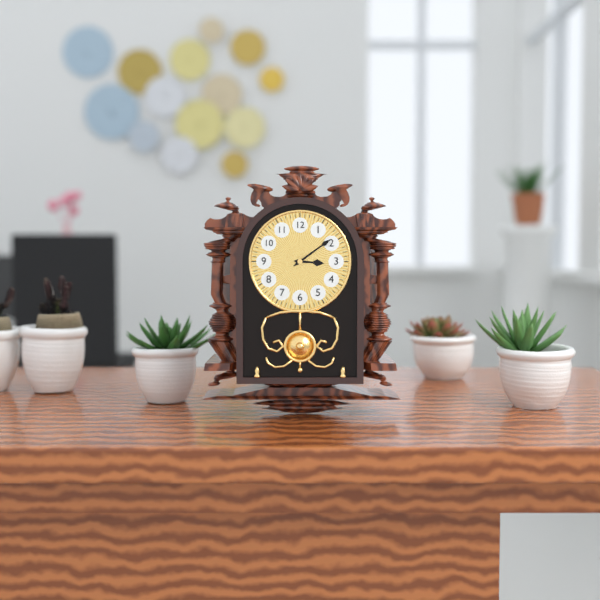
3:09
